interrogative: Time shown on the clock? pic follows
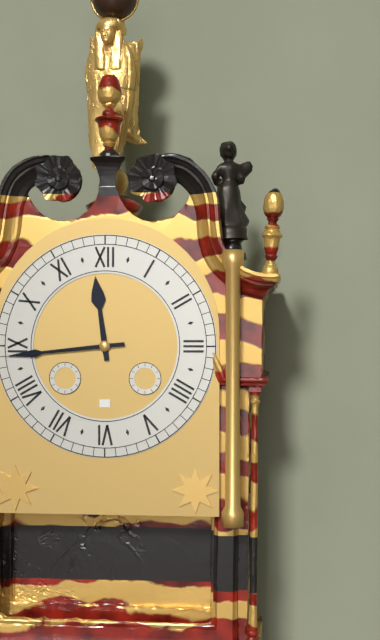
11:44
